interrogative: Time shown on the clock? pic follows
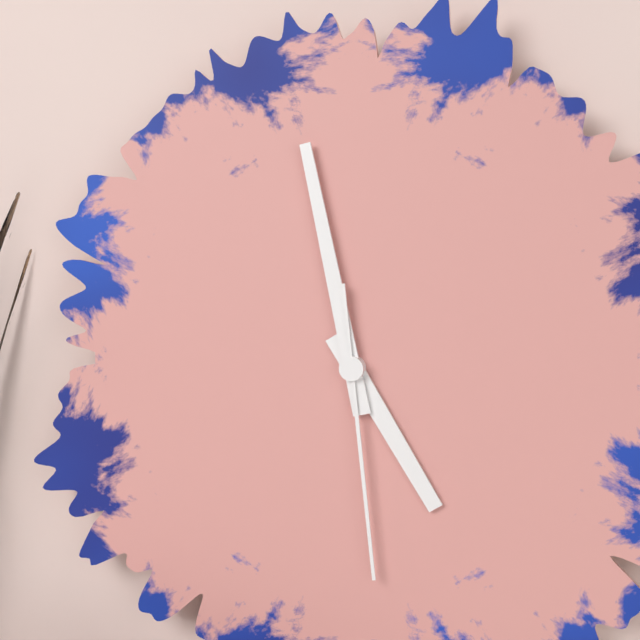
4:58:29
